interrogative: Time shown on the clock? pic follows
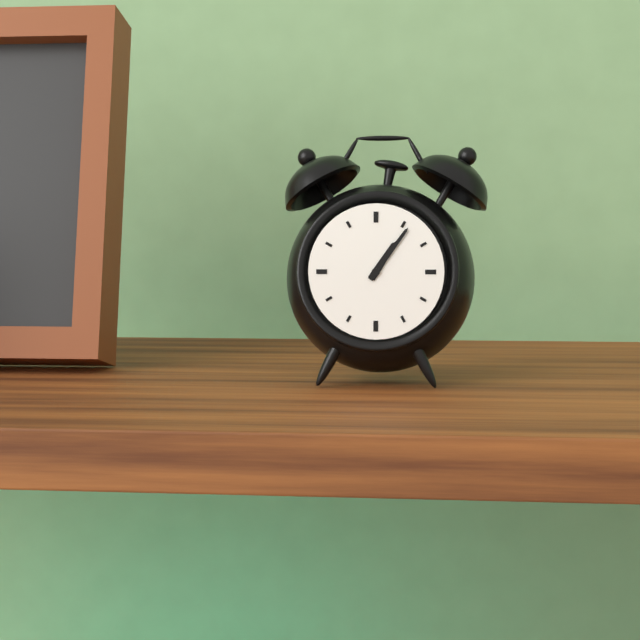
1:06
